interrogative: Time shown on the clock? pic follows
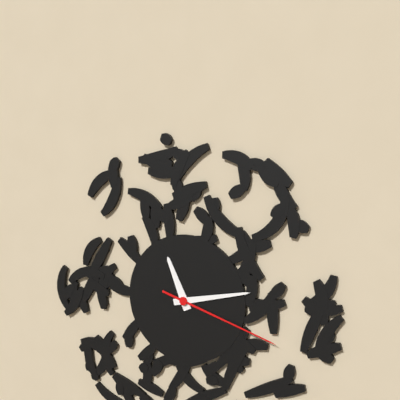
11:13:18
